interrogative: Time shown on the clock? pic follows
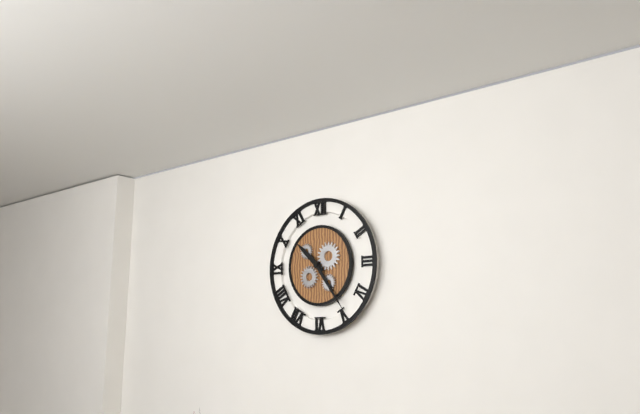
10:24
